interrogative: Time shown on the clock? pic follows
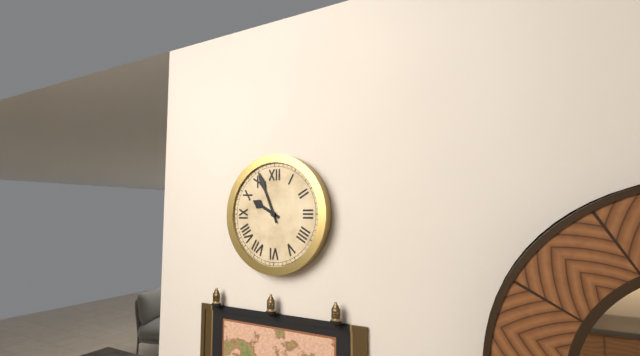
9:56
